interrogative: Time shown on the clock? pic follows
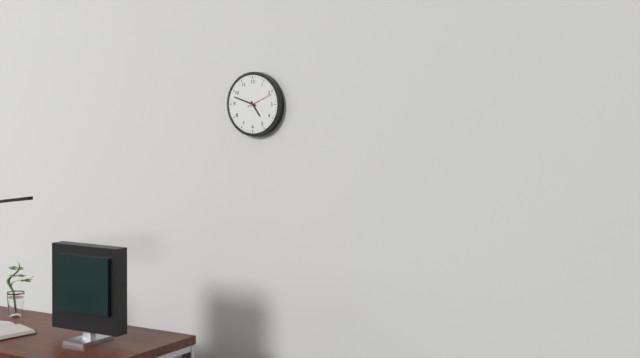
4:48
